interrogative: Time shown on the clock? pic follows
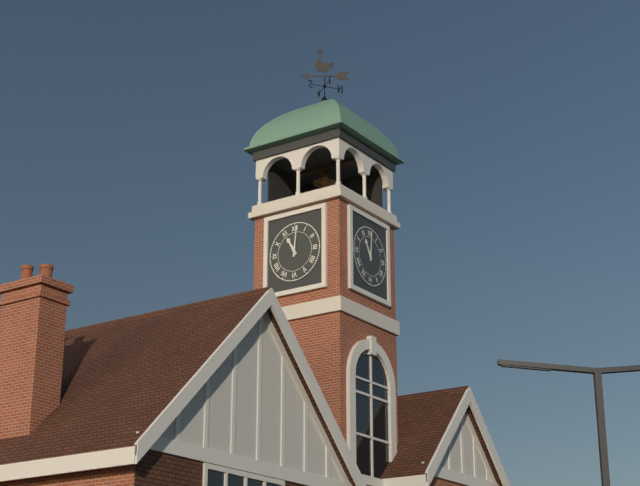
11:01
